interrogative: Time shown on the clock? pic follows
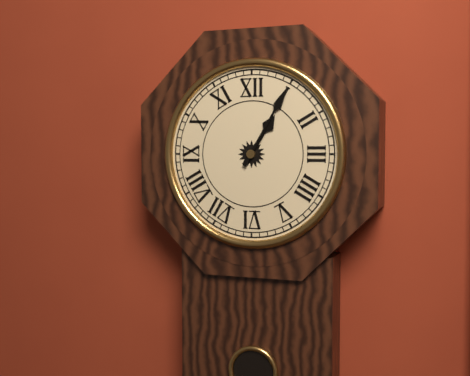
1:05
